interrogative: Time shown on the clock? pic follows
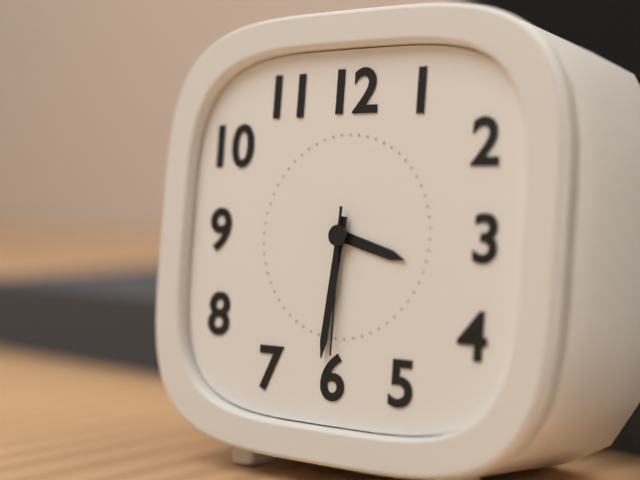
3:31:30
